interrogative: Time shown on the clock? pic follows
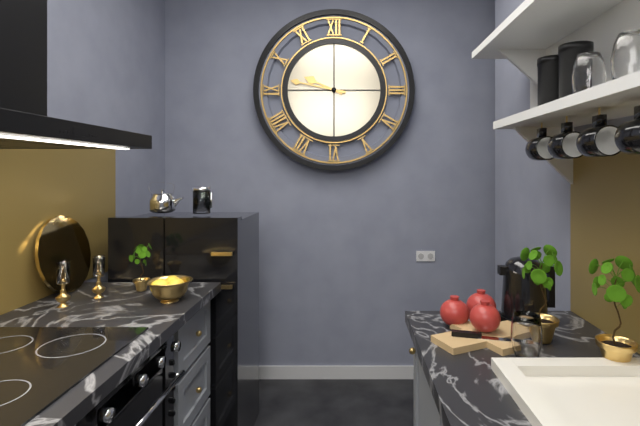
9:47
